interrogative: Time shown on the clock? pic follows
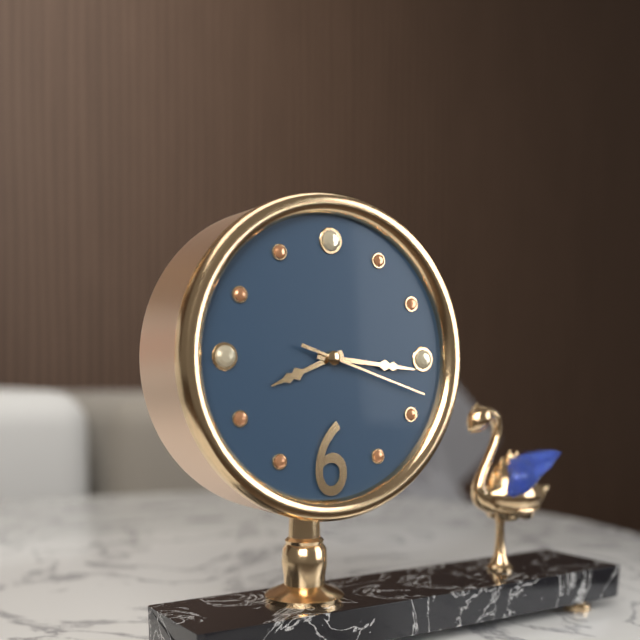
8:16:18
